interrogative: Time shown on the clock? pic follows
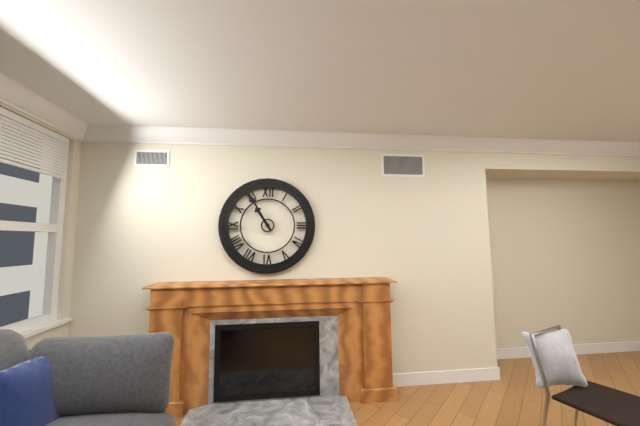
10:55
